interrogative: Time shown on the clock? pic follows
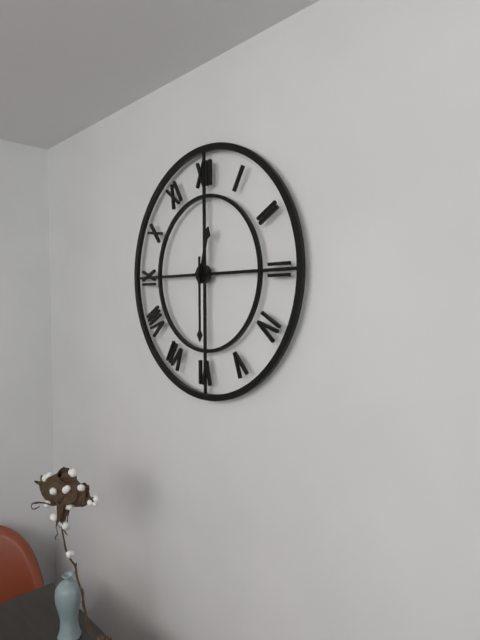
12:30
